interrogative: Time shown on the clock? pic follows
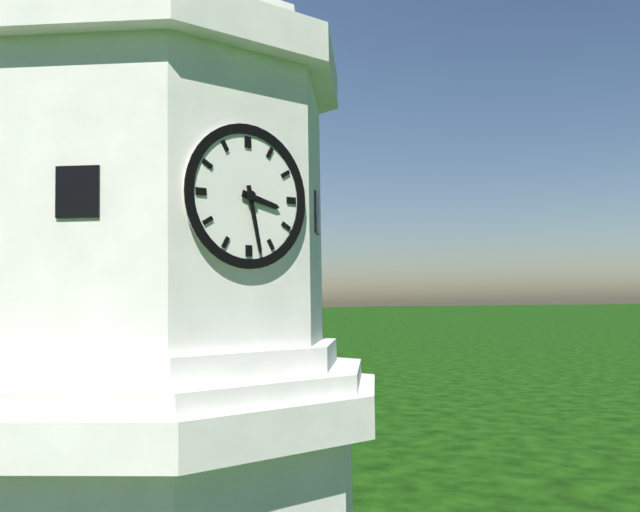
3:28
